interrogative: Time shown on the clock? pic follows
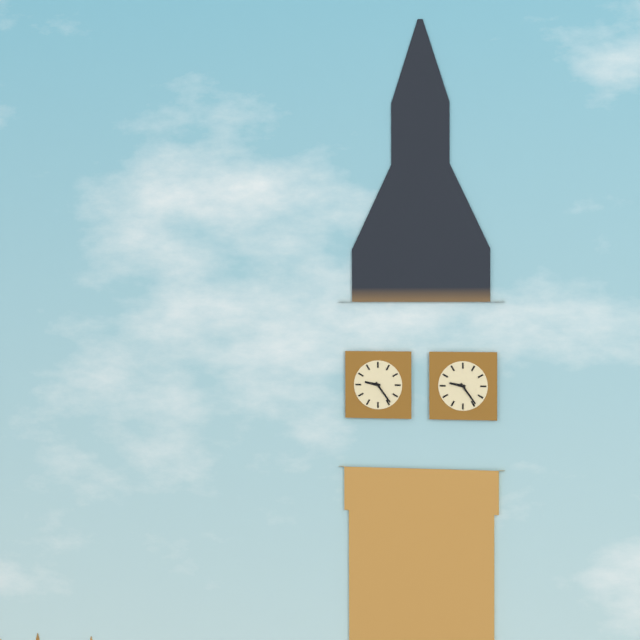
9:24
